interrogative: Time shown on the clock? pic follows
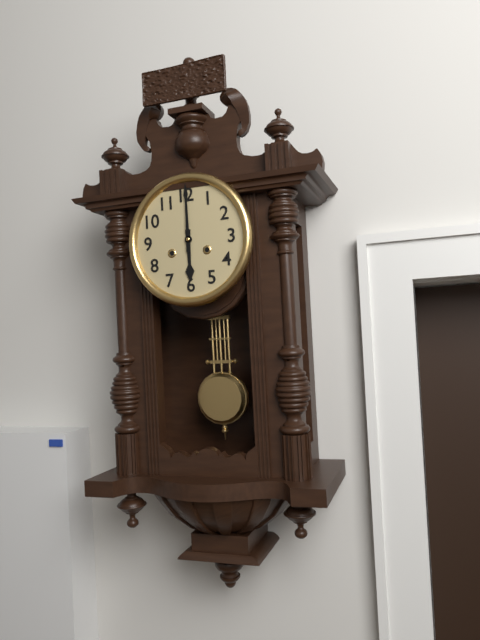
6:00
